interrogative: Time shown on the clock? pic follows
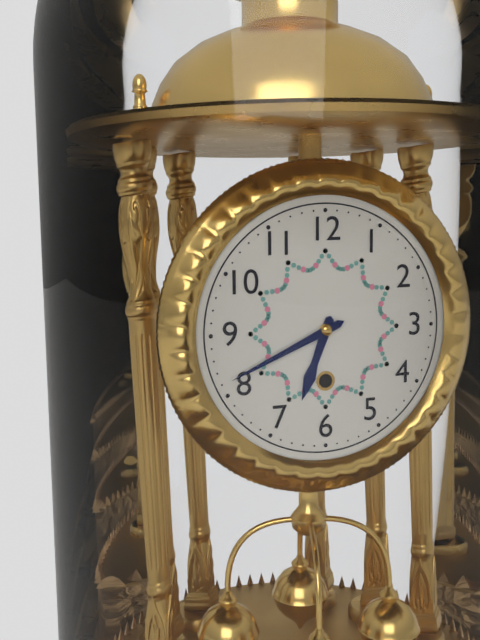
6:41
